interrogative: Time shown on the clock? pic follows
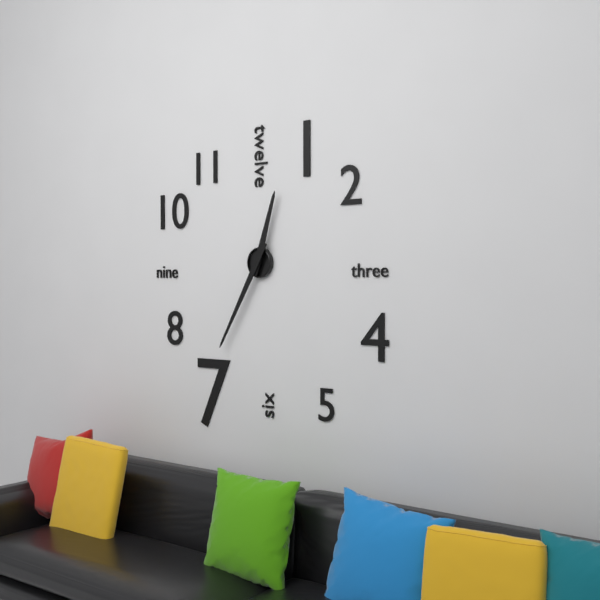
12:35
